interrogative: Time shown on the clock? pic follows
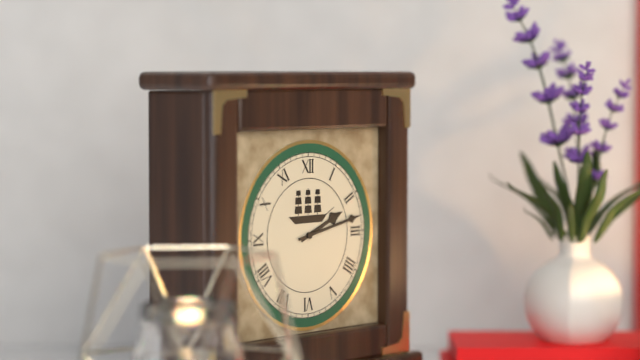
2:13
